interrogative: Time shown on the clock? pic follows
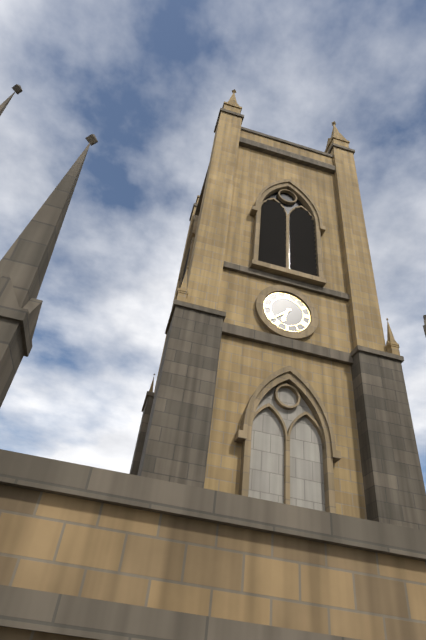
6:38
